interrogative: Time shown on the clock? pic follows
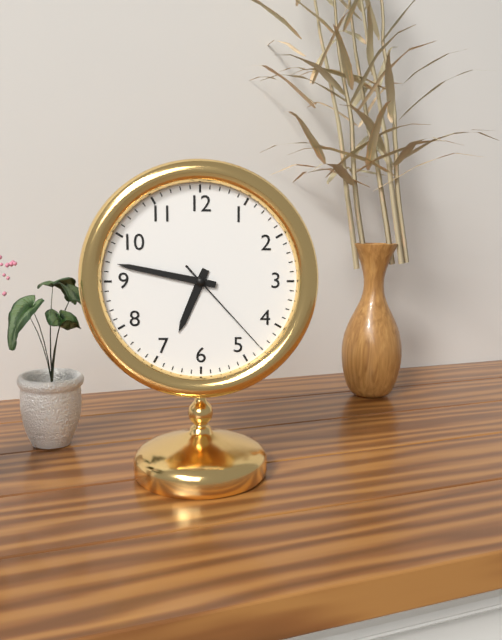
6:47:23
